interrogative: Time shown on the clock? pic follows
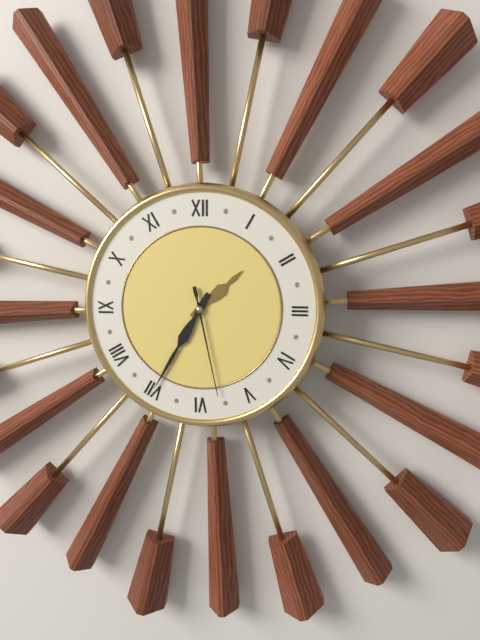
1:35:28
